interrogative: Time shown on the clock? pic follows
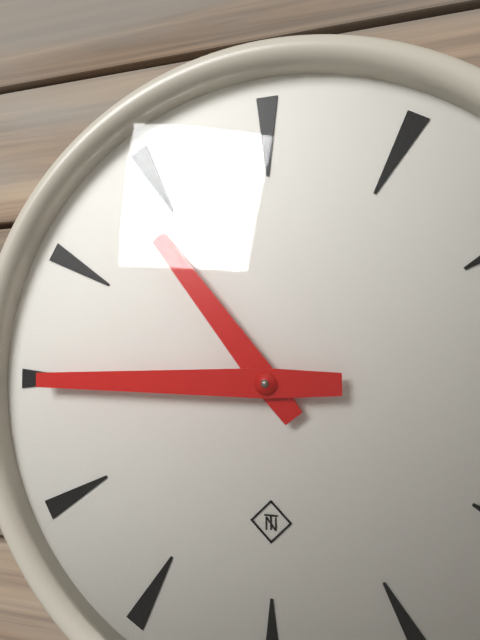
10:45
